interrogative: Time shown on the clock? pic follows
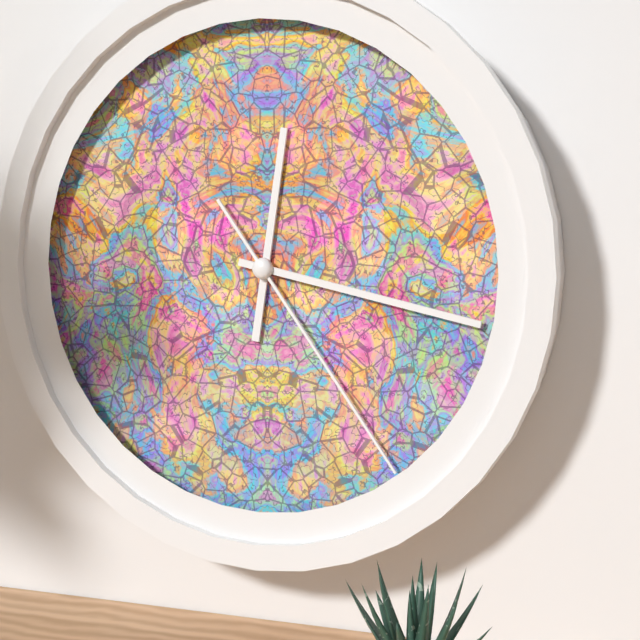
12:17:24
